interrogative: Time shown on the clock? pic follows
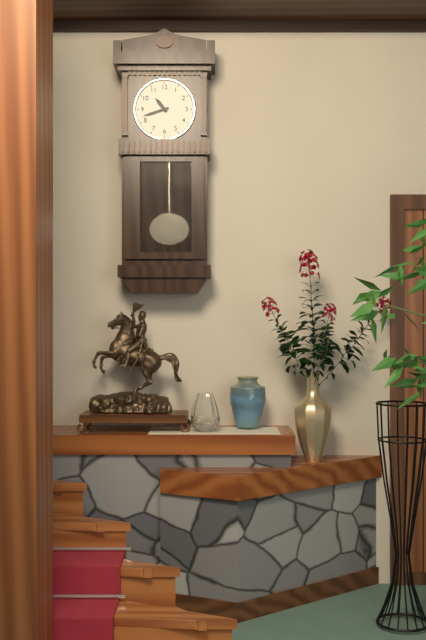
10:42
